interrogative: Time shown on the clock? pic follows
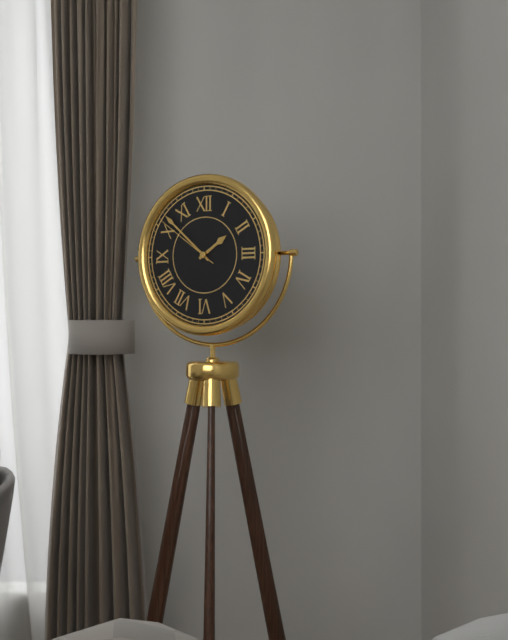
1:52:51
